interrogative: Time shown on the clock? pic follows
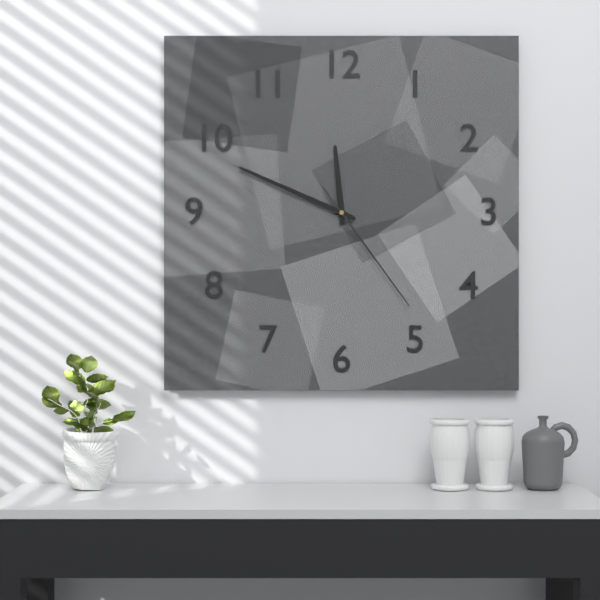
11:49:24
